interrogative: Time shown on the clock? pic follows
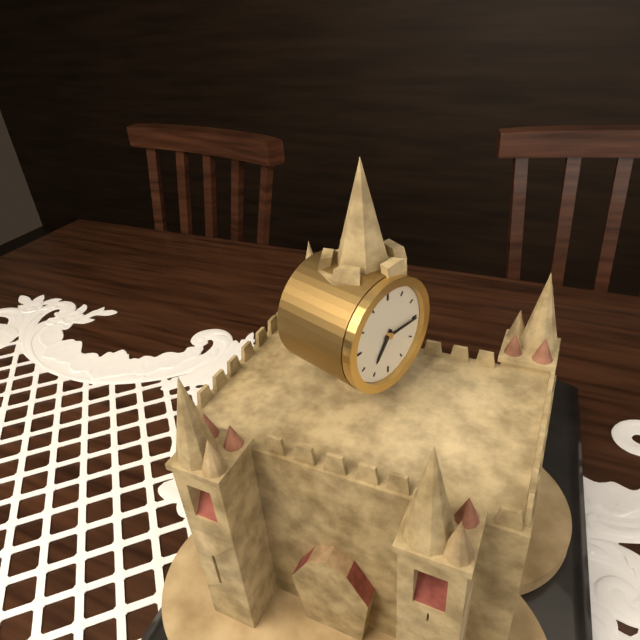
7:15
